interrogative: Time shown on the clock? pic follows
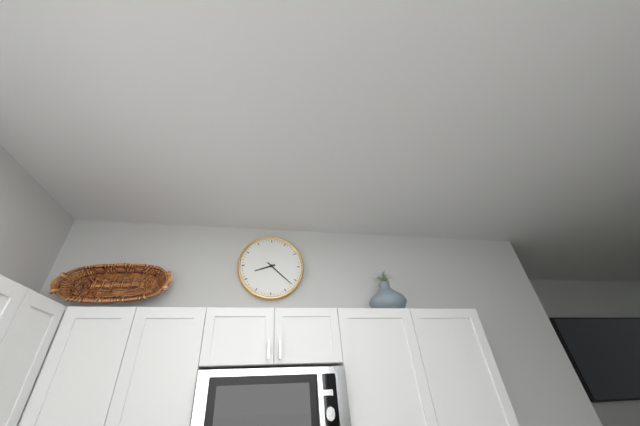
8:22
